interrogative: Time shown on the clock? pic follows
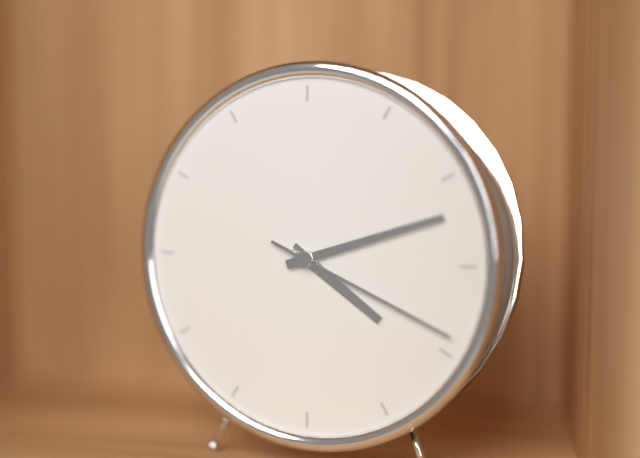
4:12:19
